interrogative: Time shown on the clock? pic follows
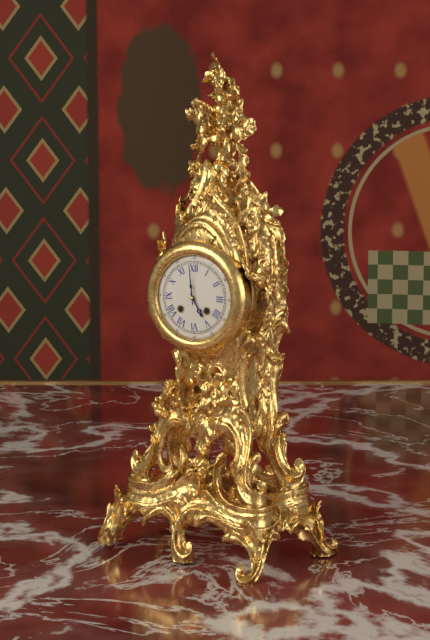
4:59
